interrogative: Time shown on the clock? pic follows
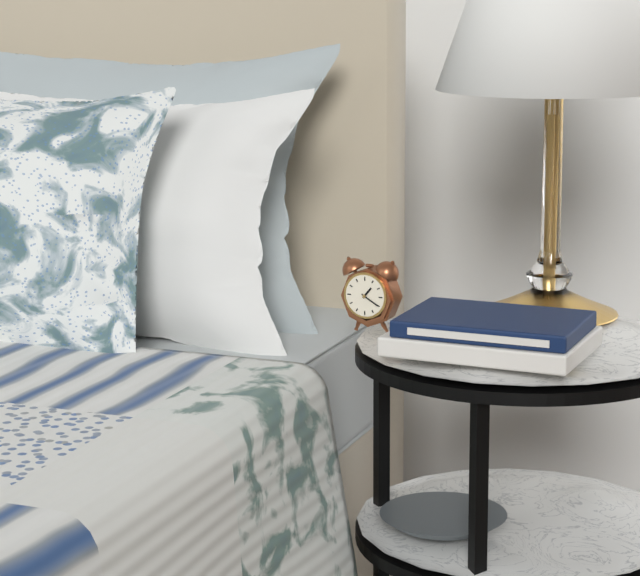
1:20
